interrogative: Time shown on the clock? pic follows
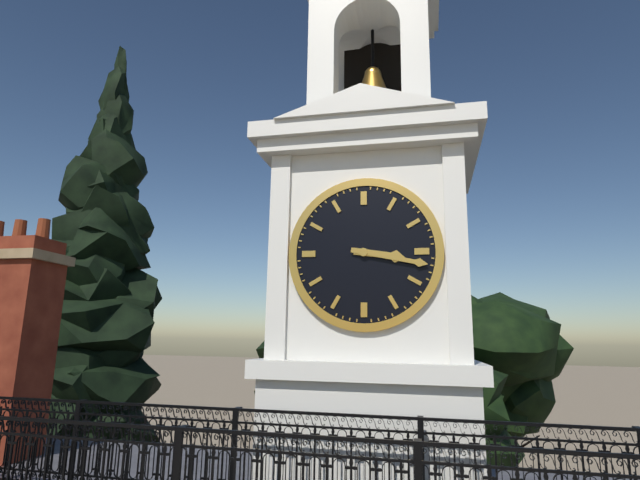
3:17
